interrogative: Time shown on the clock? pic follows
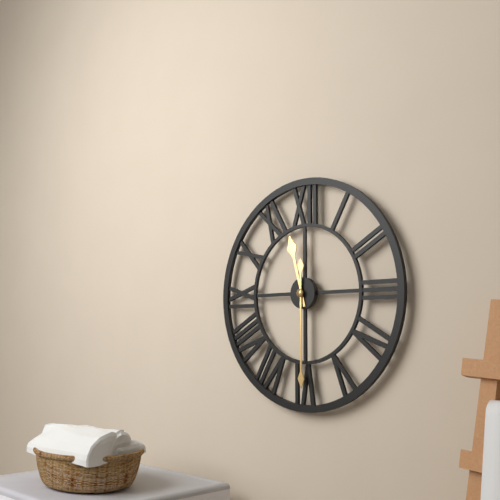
11:30
